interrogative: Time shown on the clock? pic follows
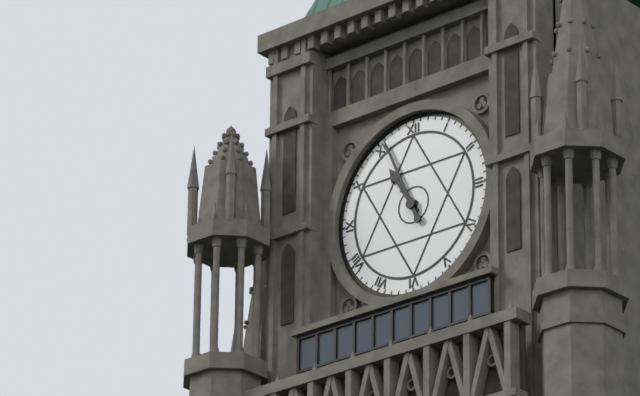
10:56
